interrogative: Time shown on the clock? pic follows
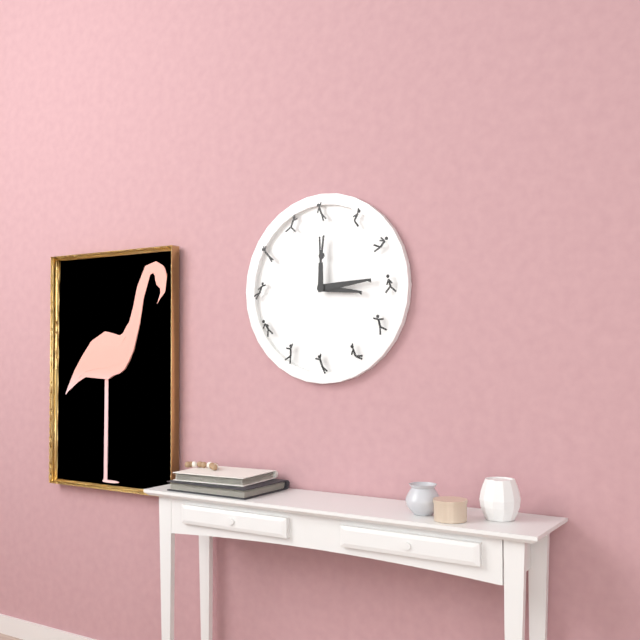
3:14
